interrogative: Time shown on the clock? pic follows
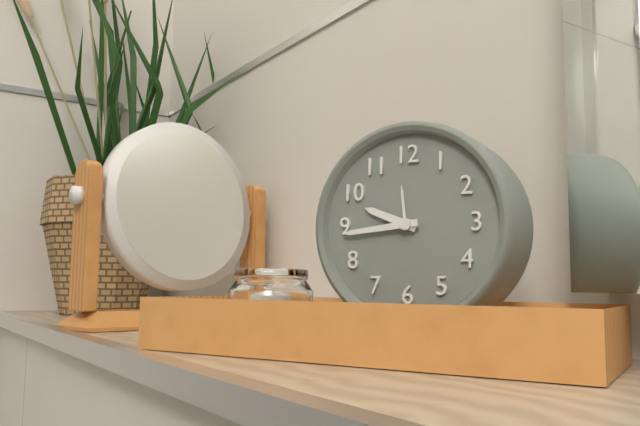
9:44
